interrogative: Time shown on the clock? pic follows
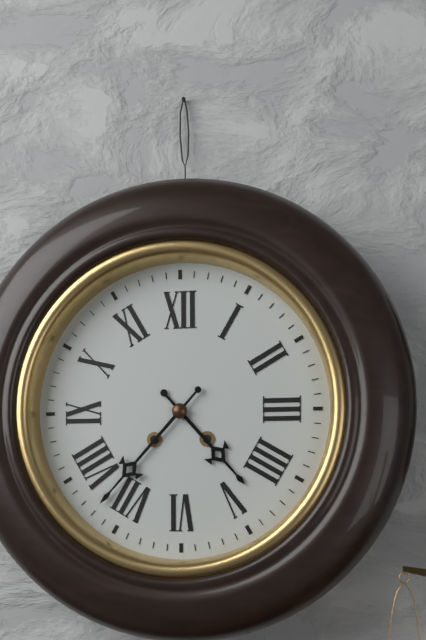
4:37
